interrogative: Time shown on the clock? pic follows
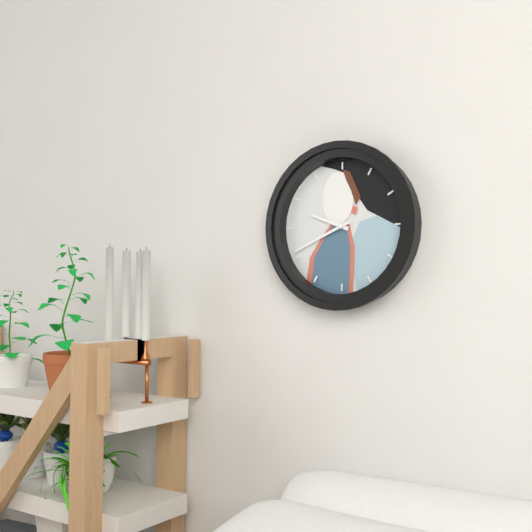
9:41
